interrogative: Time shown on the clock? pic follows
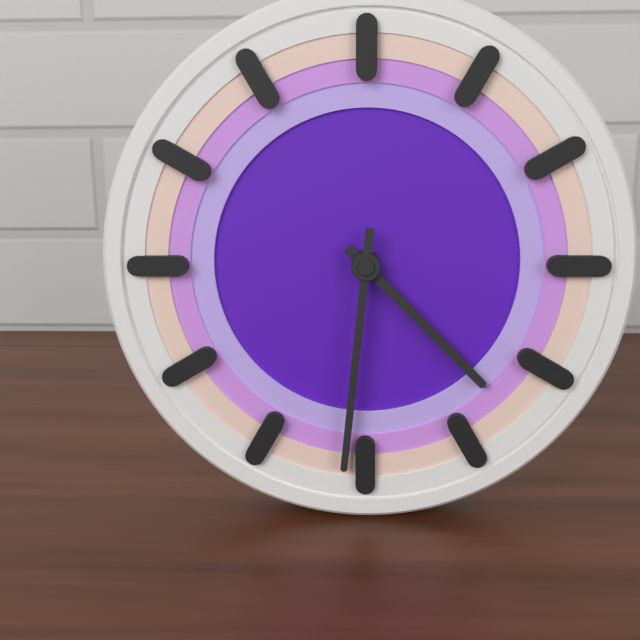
4:31
